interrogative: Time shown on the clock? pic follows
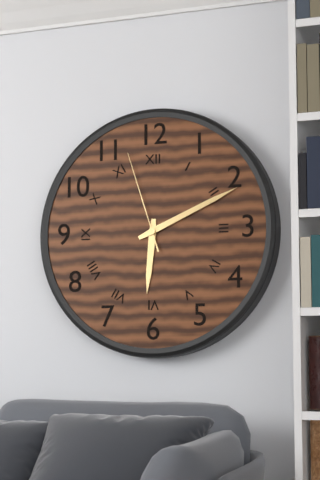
6:11:57
